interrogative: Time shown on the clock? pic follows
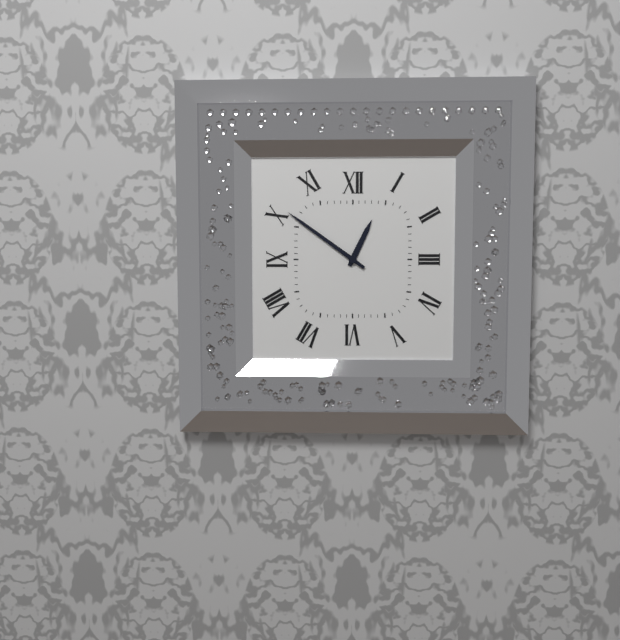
12:51
